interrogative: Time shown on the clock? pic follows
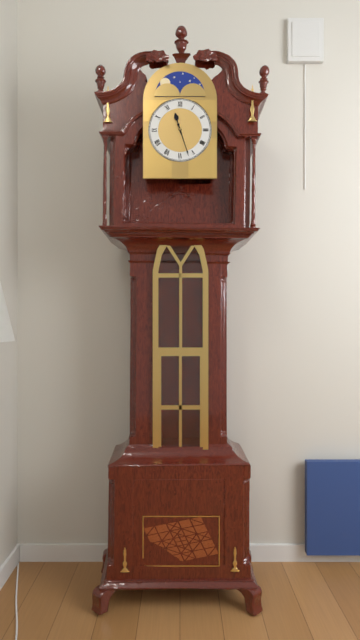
11:27
